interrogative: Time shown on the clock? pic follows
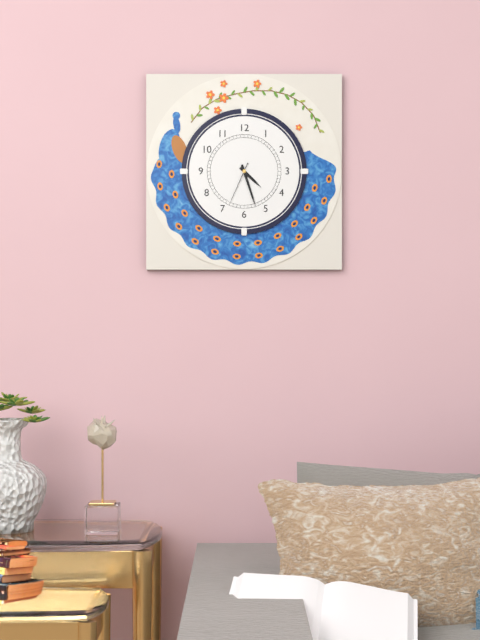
4:27
